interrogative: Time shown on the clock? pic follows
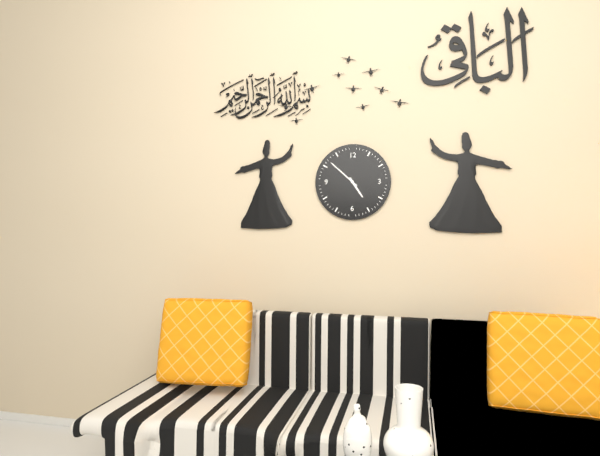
4:52
